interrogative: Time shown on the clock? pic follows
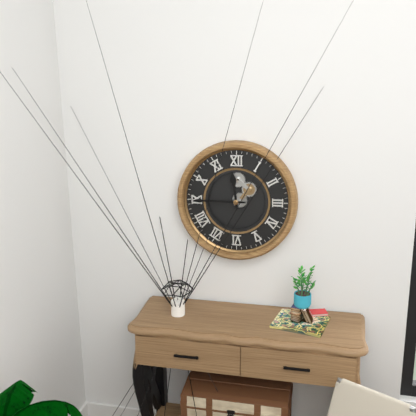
11:45
